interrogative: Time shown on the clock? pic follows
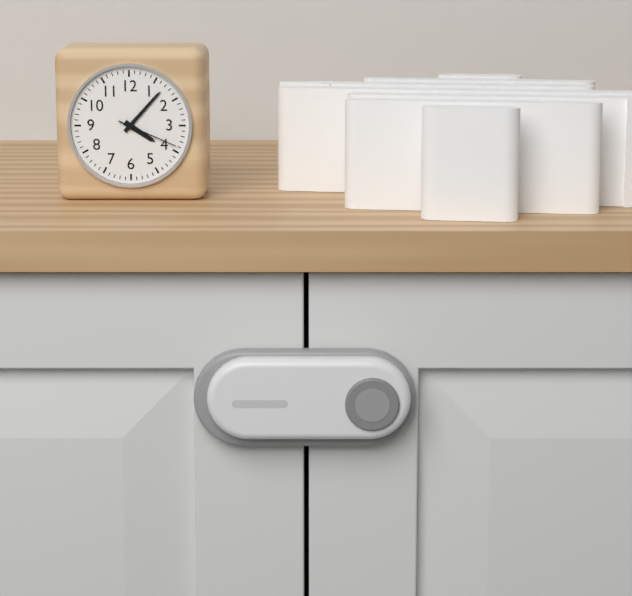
4:07:19
